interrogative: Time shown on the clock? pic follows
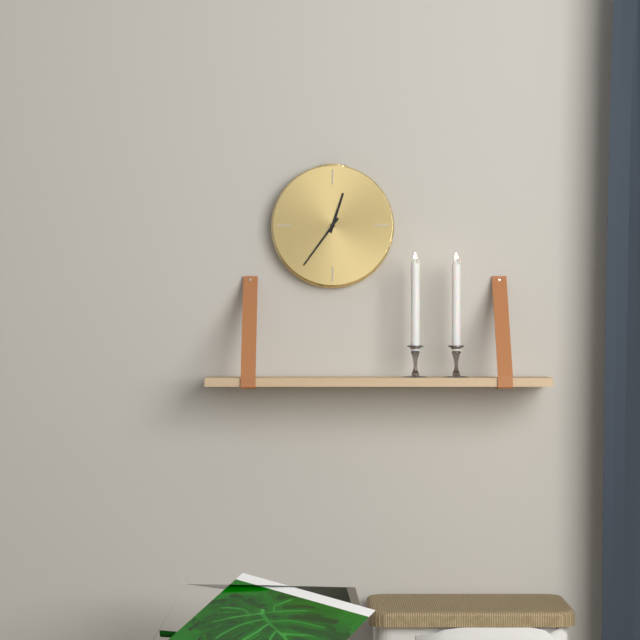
12:36
